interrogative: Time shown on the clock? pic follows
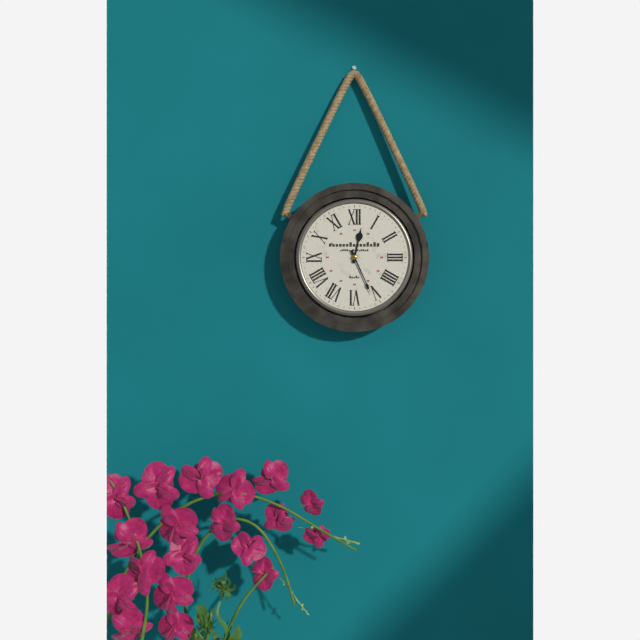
12:26
